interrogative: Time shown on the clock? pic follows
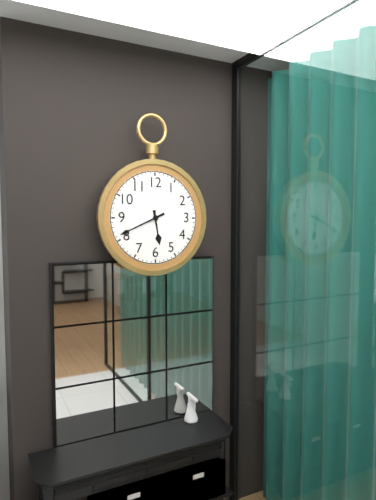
5:41
